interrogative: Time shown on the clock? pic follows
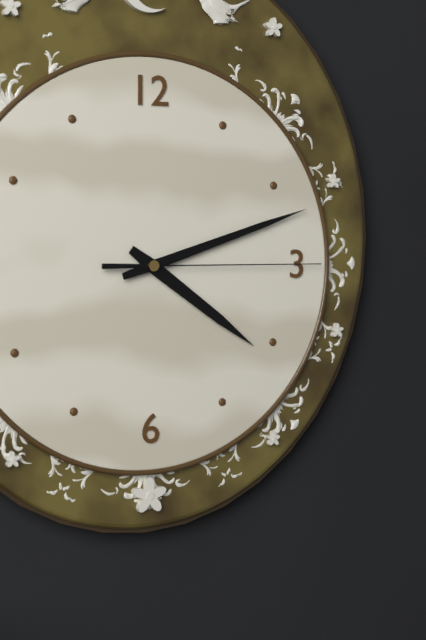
4:12:15
